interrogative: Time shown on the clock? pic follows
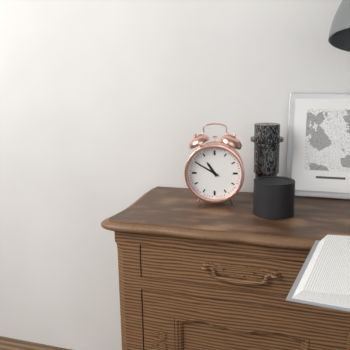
10:50
